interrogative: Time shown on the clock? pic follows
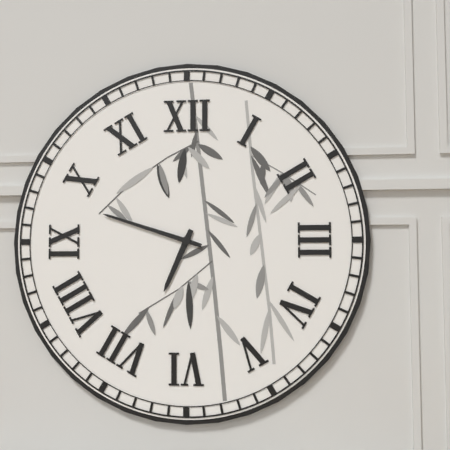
6:48
